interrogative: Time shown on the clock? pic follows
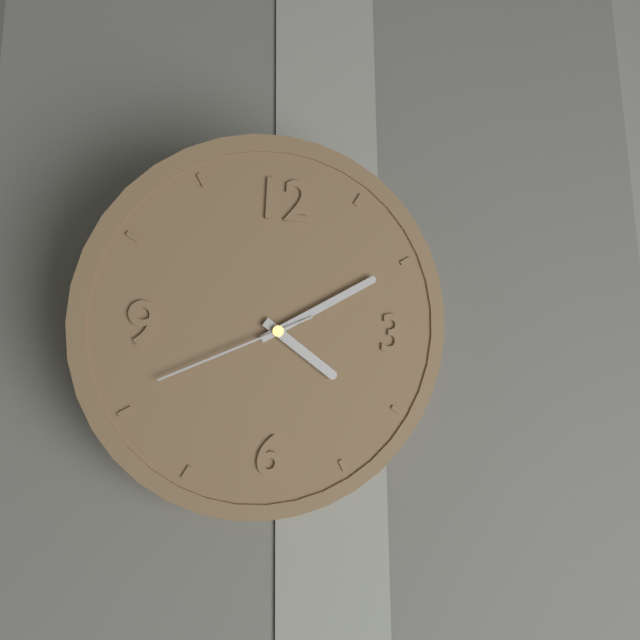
4:10:41
